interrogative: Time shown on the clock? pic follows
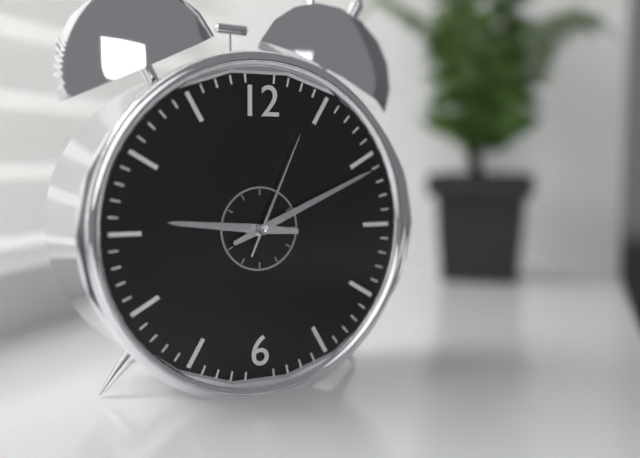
9:11:04
